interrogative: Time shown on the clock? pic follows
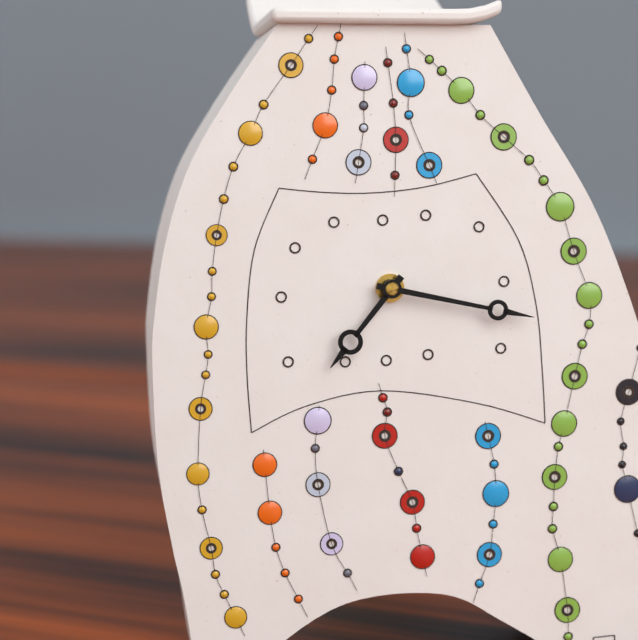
7:17
